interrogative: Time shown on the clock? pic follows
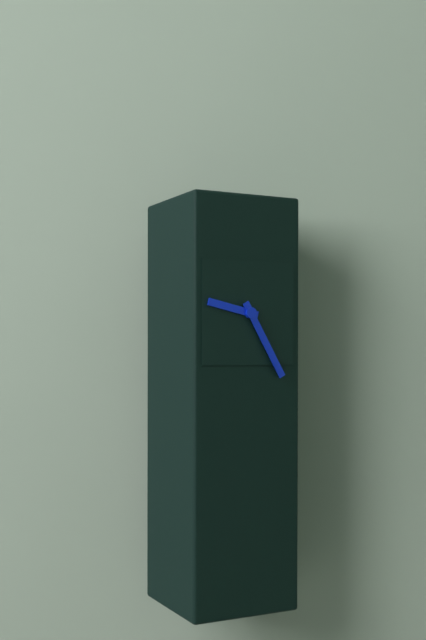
9:25
